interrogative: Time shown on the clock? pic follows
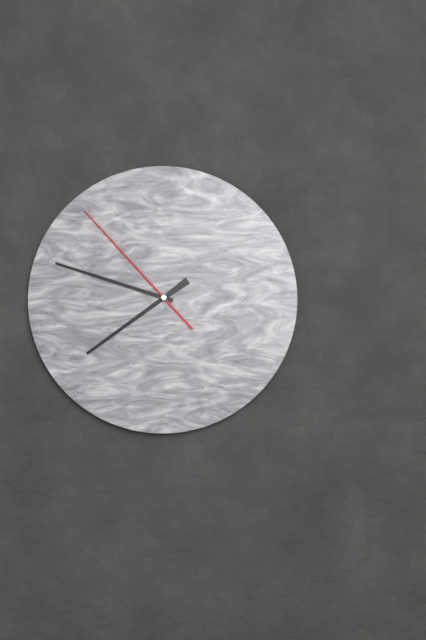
7:48:53
